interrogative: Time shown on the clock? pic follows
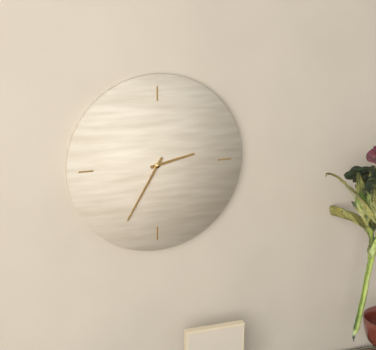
2:35
